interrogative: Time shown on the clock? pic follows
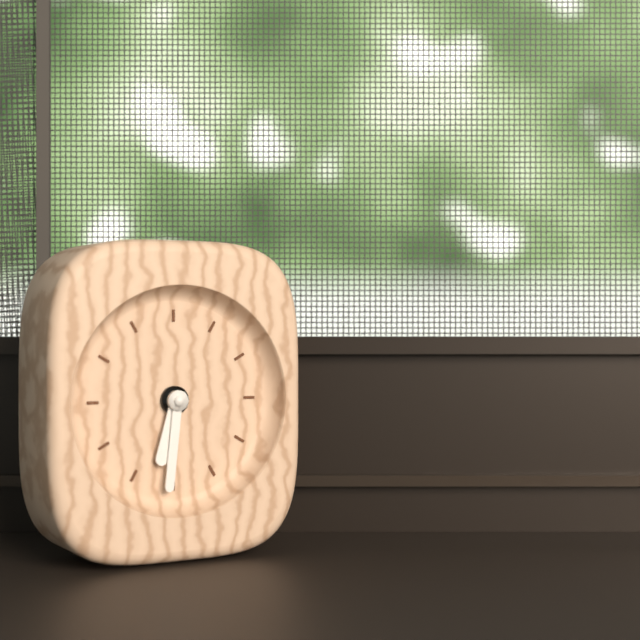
6:31
